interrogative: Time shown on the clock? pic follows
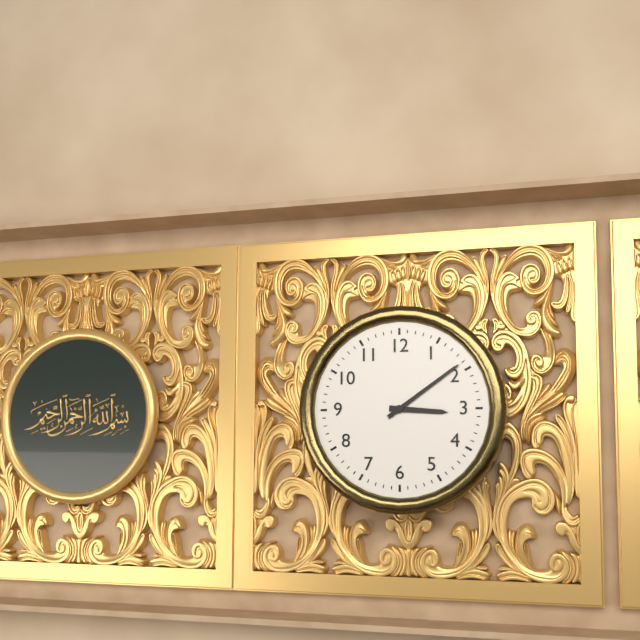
3:09
